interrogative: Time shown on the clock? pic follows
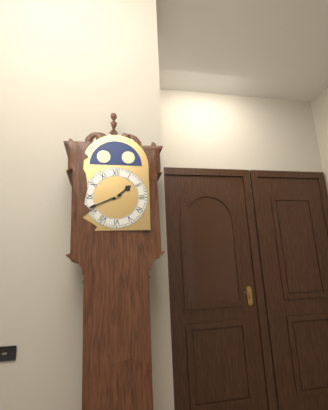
1:41
